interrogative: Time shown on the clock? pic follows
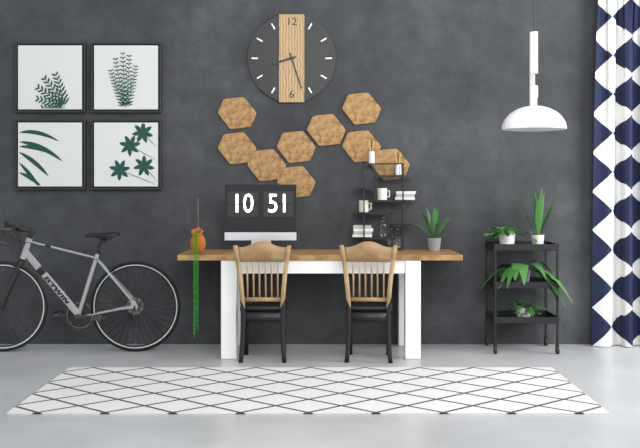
8:27
